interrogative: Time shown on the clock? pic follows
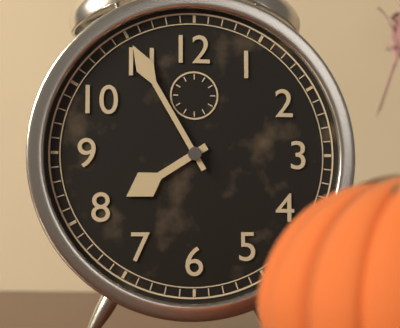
7:55
